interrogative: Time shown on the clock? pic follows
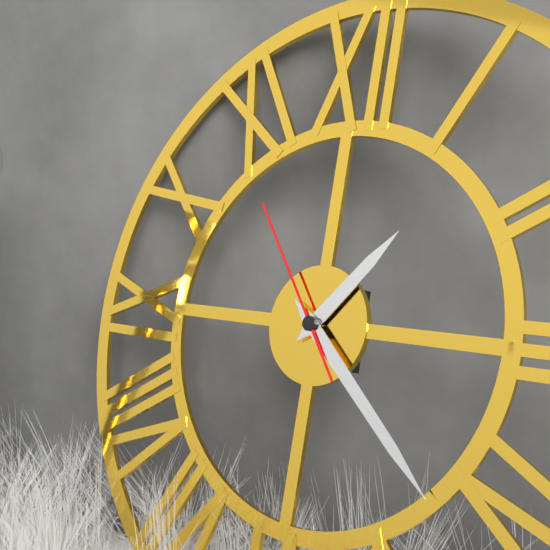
1:22:54
